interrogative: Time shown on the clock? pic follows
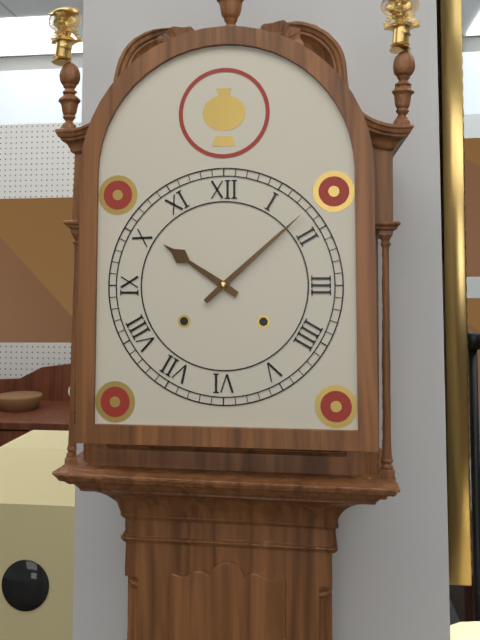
10:08
